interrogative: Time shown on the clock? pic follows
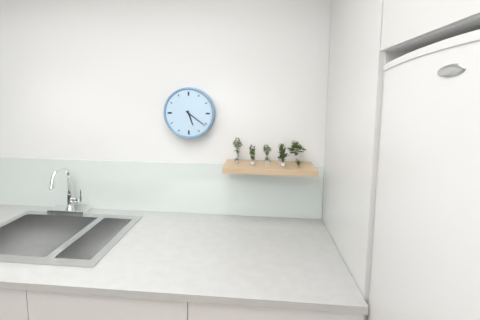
5:21
